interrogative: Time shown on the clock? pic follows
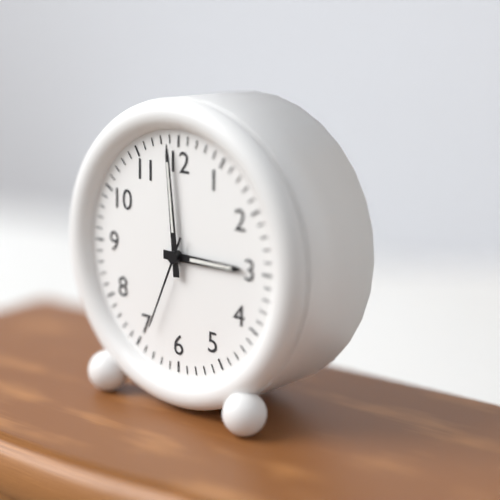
2:59:34
